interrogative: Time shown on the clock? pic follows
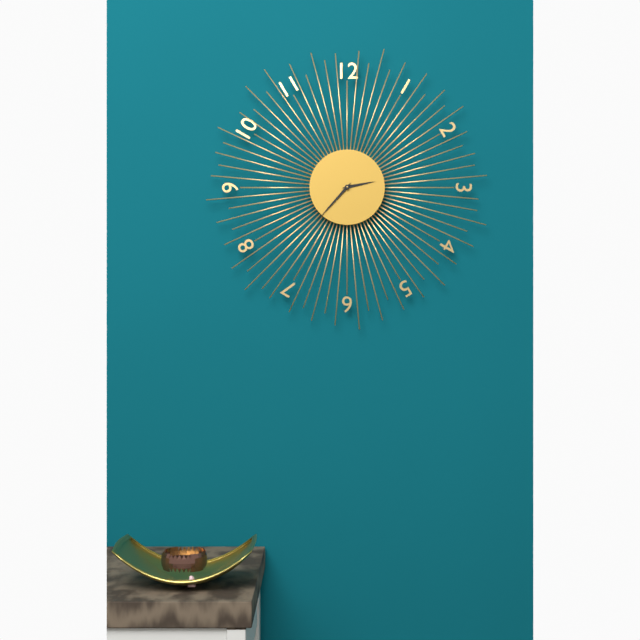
2:37
